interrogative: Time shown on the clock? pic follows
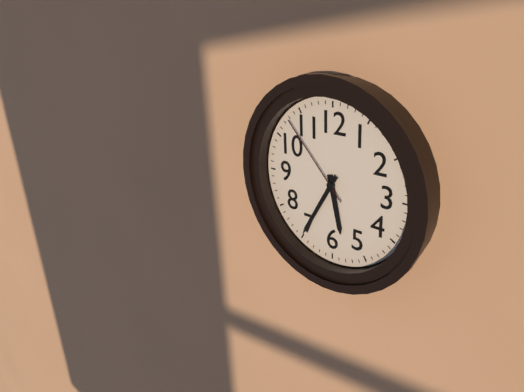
5:35:53
